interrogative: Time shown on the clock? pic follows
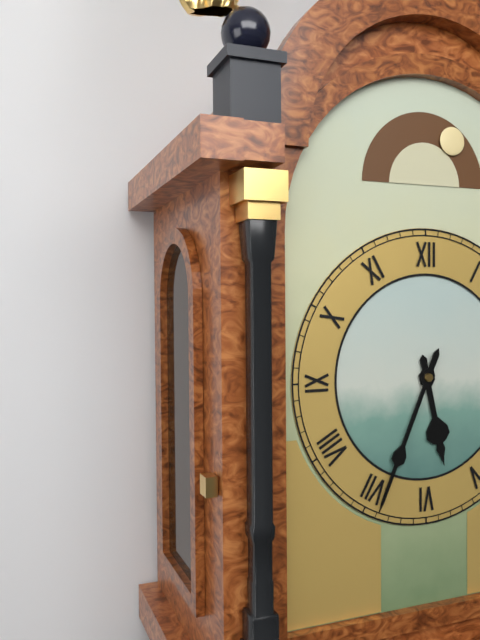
5:34
